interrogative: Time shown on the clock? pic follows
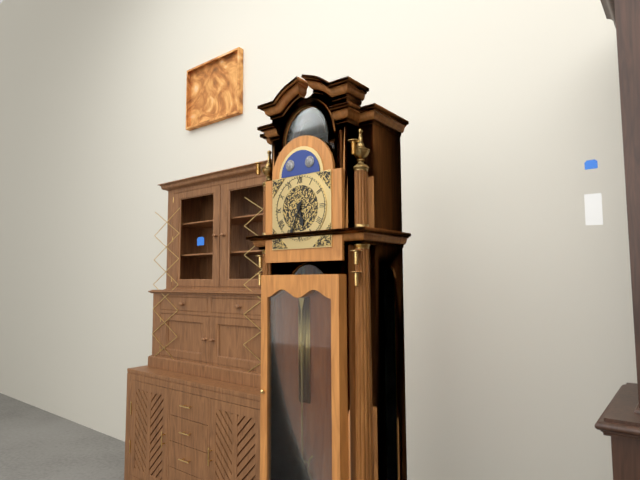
5:34
